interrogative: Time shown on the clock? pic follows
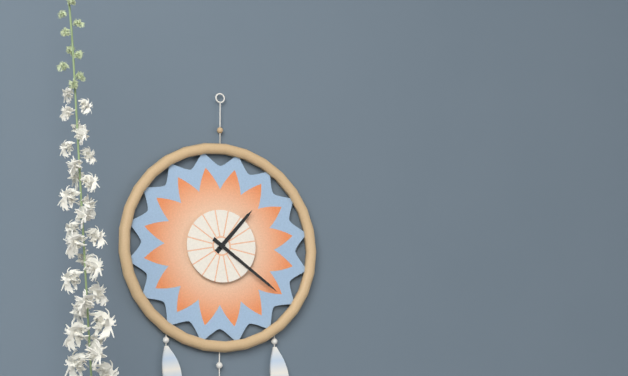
1:21
